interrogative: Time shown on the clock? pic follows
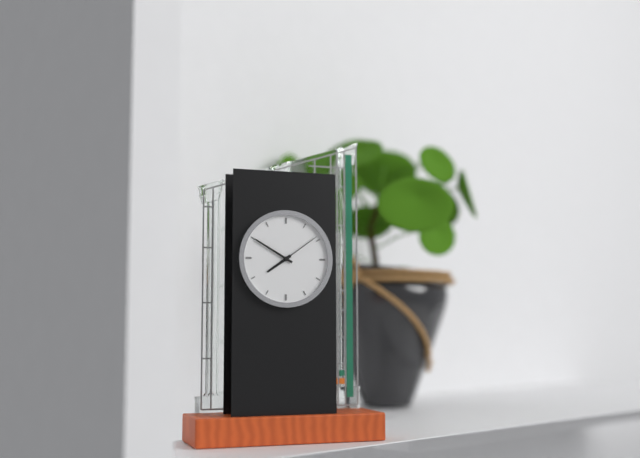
7:50
